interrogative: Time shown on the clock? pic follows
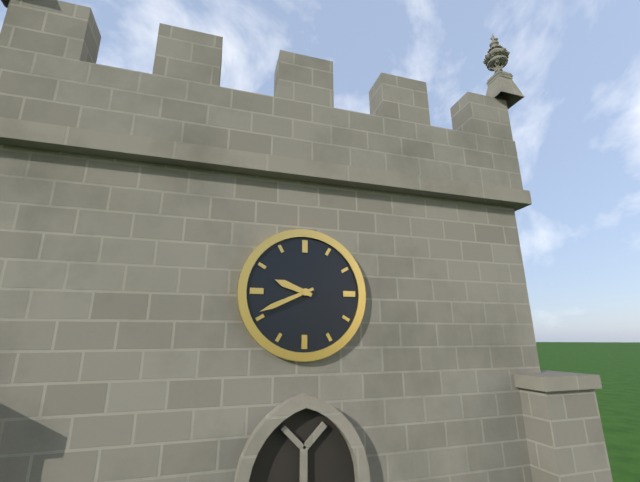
9:41
